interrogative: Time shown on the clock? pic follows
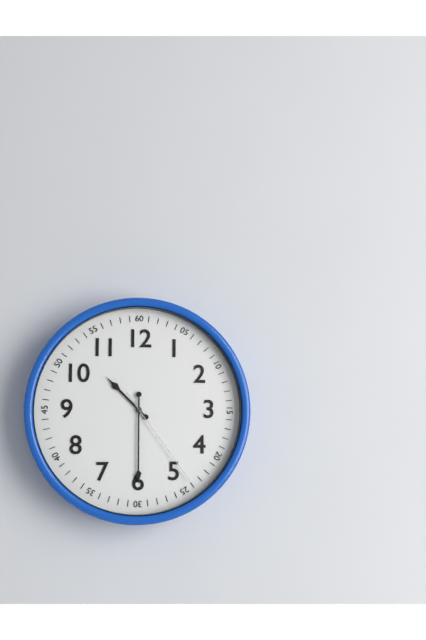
10:30:24
